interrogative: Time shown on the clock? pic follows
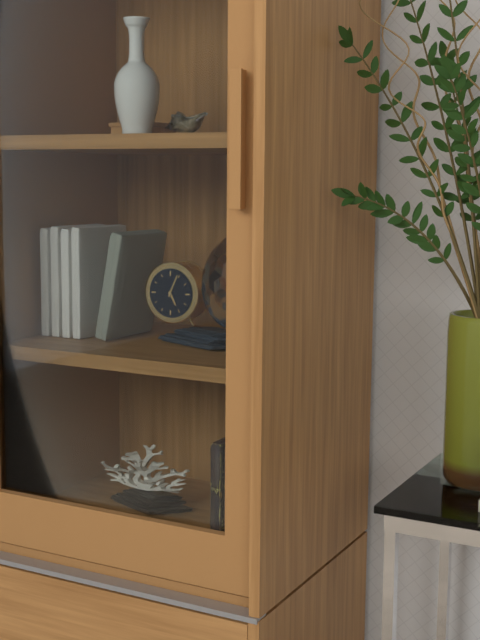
5:04
